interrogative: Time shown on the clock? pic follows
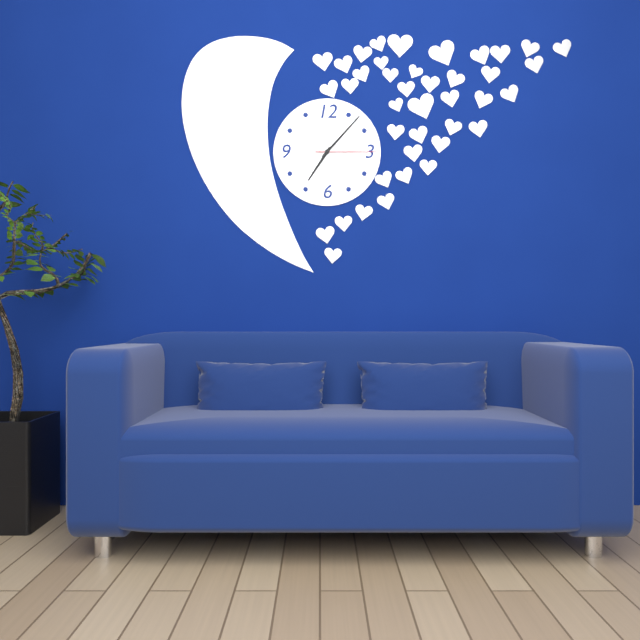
7:07:15
